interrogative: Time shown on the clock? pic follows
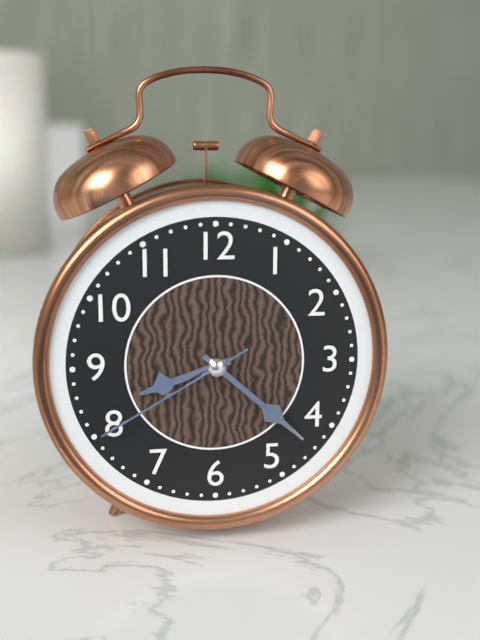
8:22:40
